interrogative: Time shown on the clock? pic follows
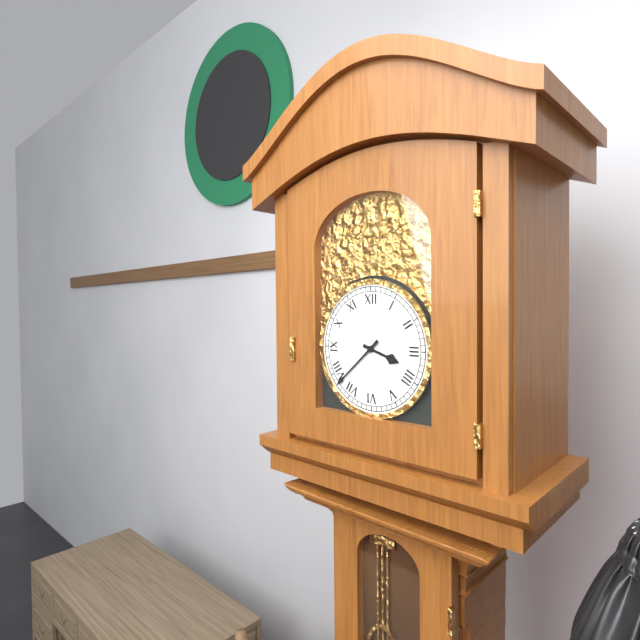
3:38
